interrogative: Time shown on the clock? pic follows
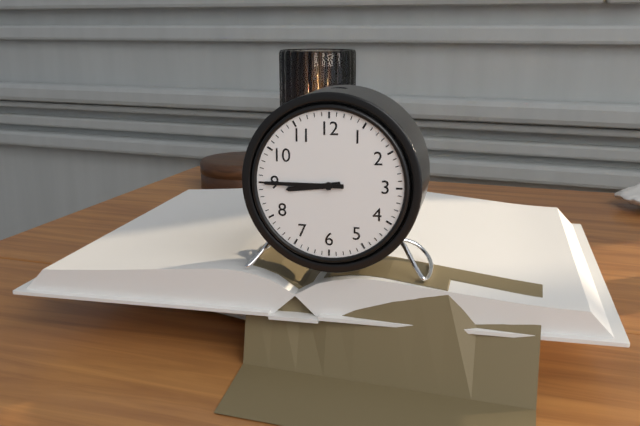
8:45
